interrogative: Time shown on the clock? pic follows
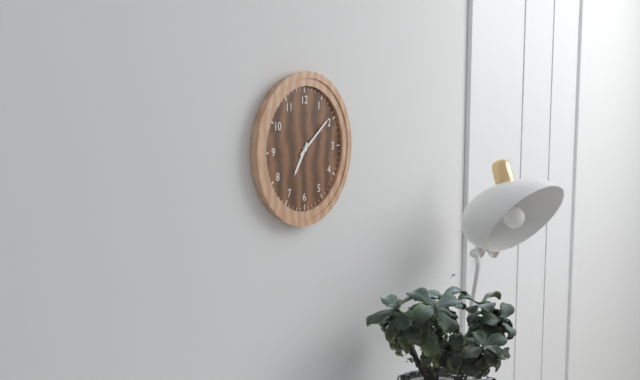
7:09
